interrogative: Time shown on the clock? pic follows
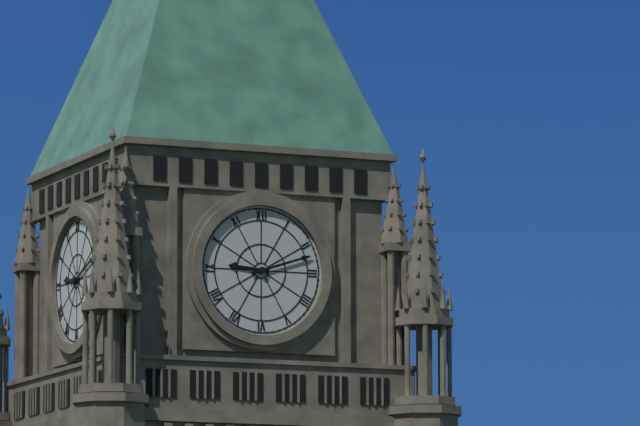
9:12
